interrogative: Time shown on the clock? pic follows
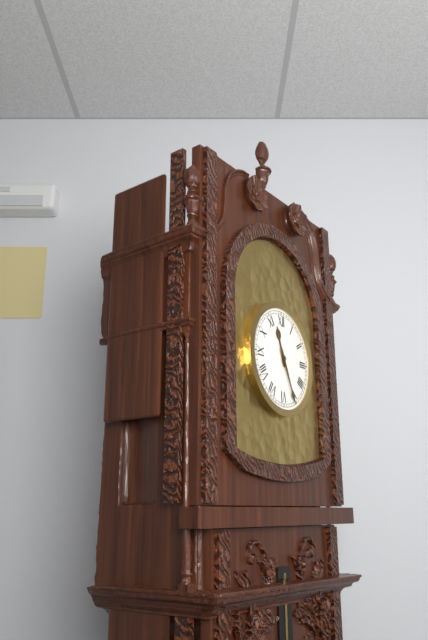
11:26
